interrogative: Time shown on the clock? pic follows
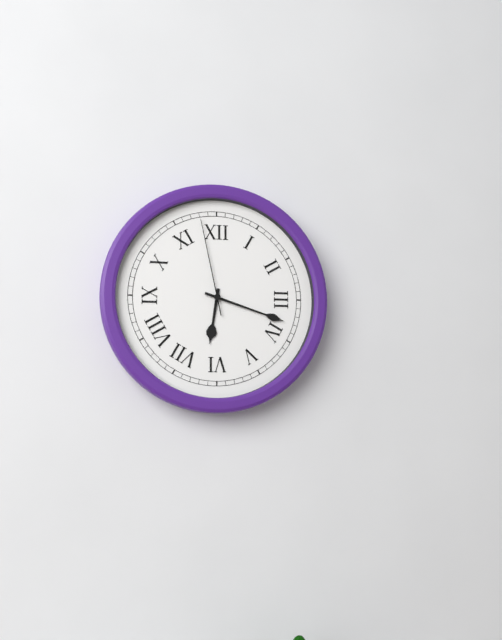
6:18:58
